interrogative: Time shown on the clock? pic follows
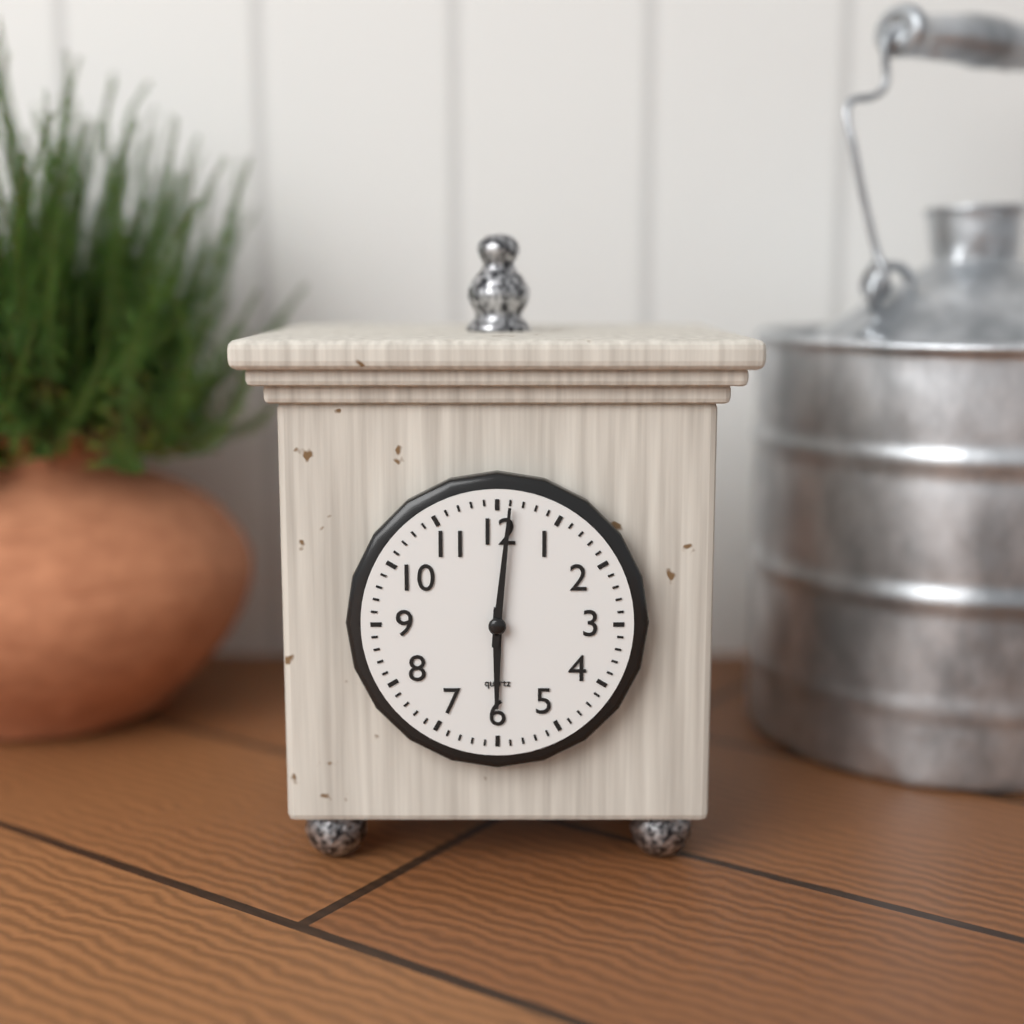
6:01
